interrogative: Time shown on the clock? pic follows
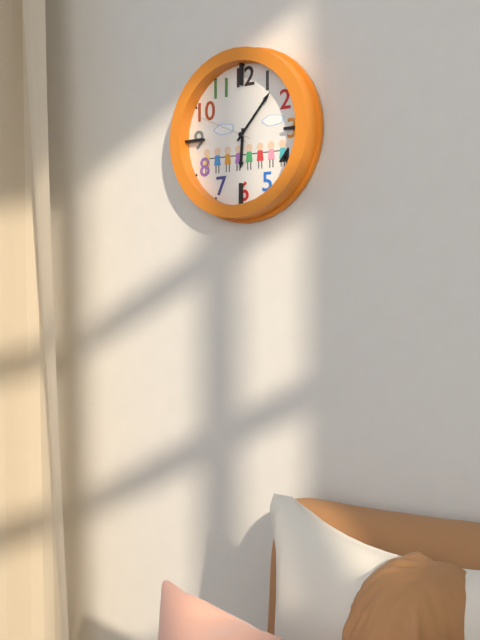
6:07:49
